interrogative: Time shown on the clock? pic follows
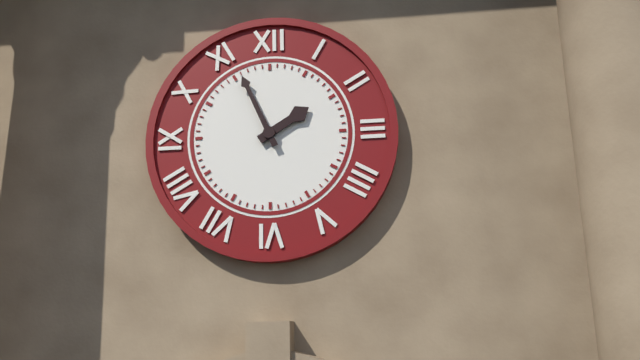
1:56
